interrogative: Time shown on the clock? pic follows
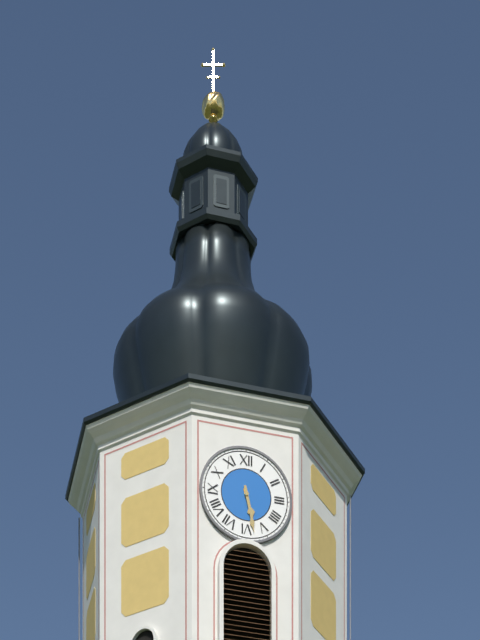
5:28
